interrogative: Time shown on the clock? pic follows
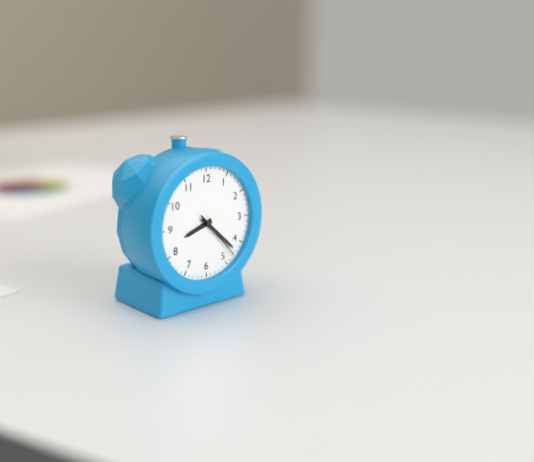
8:22:23
